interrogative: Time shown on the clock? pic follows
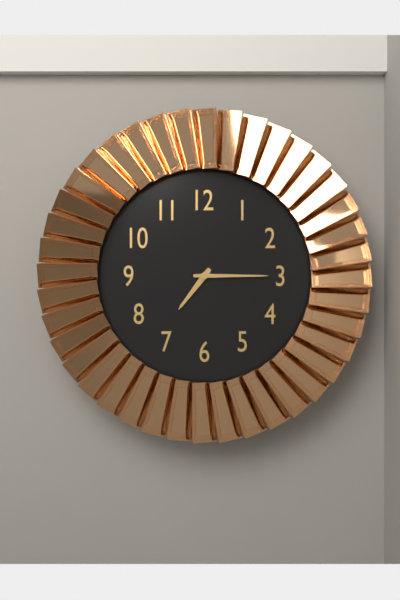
7:15
